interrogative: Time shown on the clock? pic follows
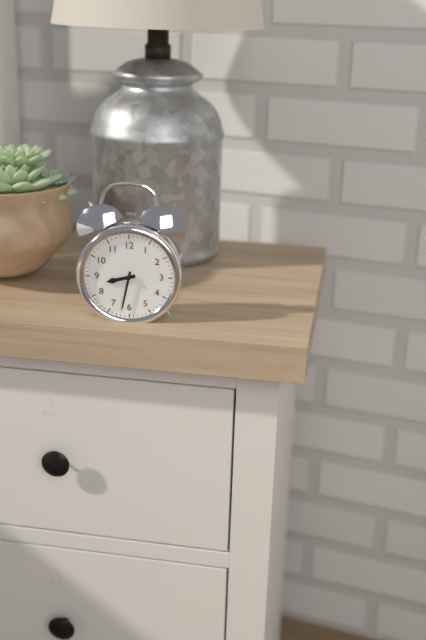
8:32
